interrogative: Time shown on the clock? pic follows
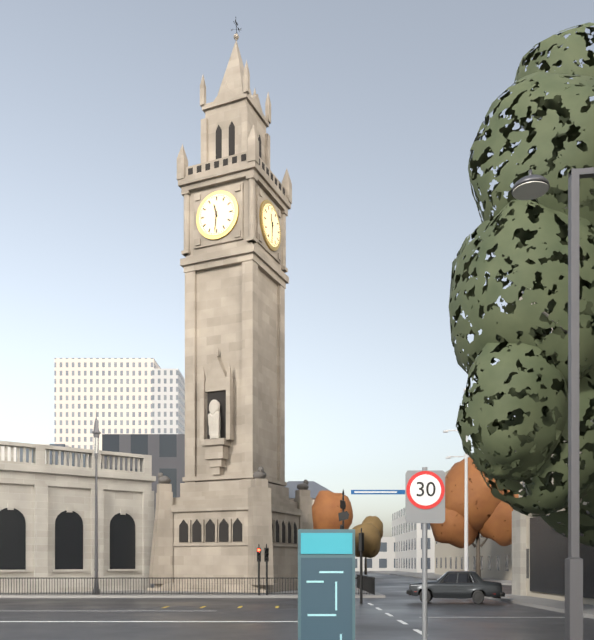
11:31
